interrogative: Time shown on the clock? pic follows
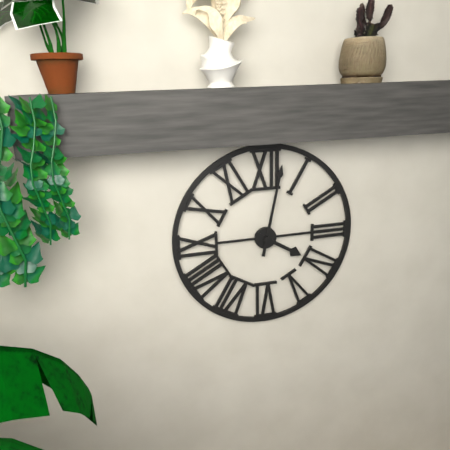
4:02
